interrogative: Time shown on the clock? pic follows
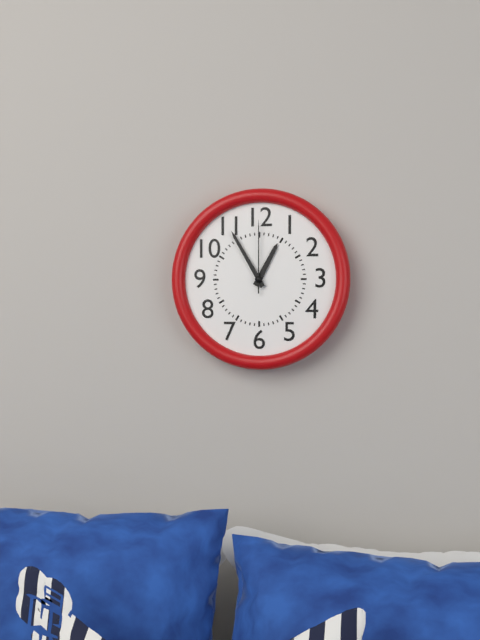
12:55:00
